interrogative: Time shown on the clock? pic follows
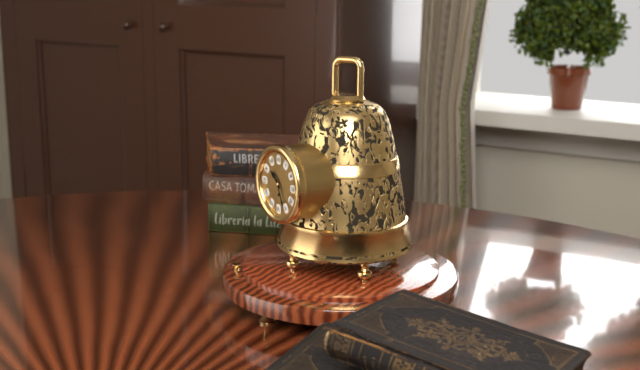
10:26
